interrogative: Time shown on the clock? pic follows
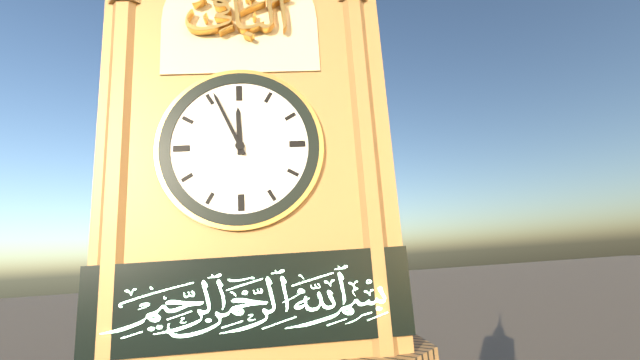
11:56
